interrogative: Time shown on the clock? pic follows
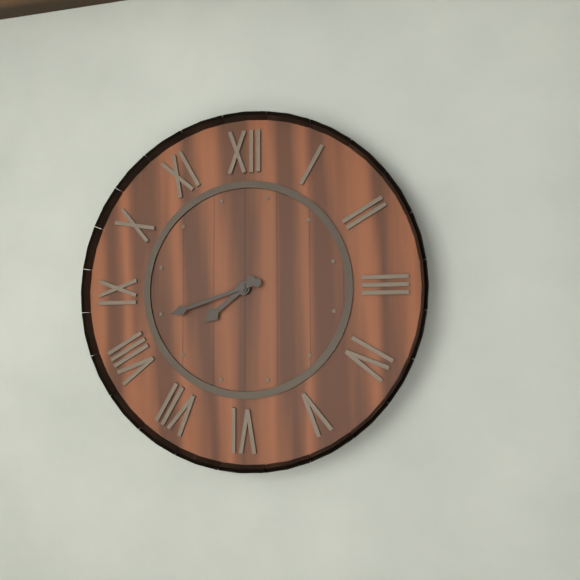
7:42
